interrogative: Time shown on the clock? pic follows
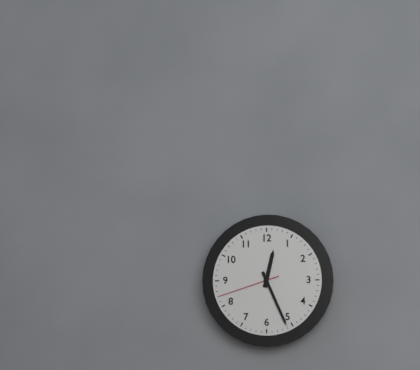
12:26:42
